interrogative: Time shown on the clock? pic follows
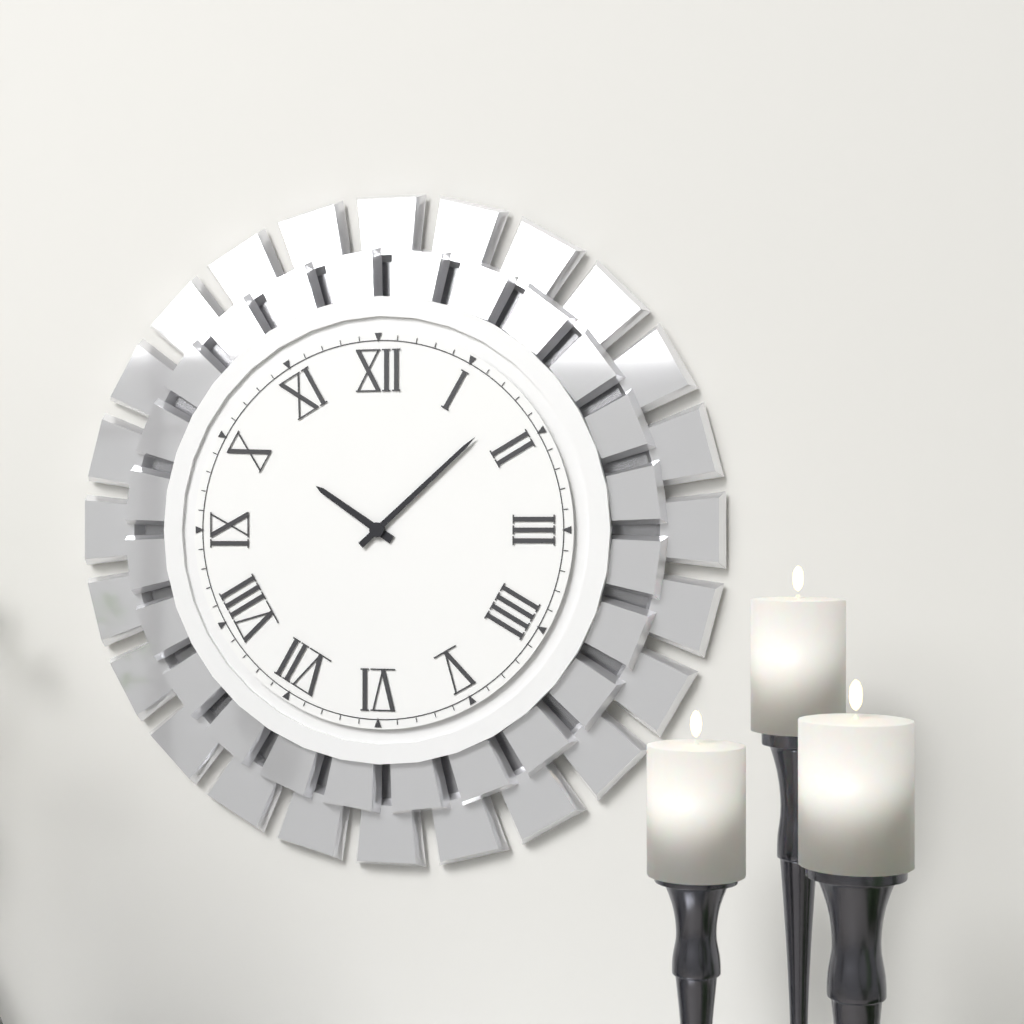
10:08
